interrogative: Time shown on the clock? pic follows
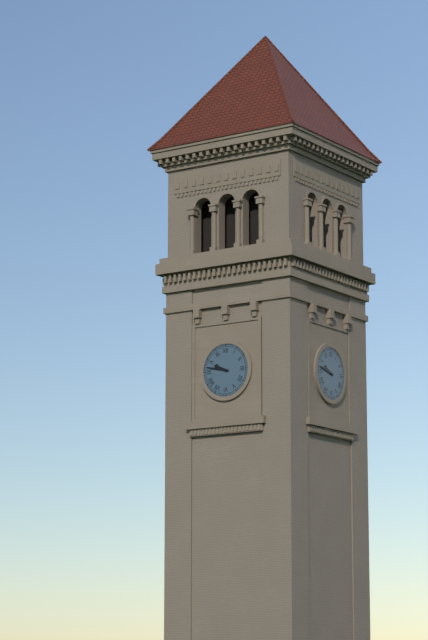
9:47
